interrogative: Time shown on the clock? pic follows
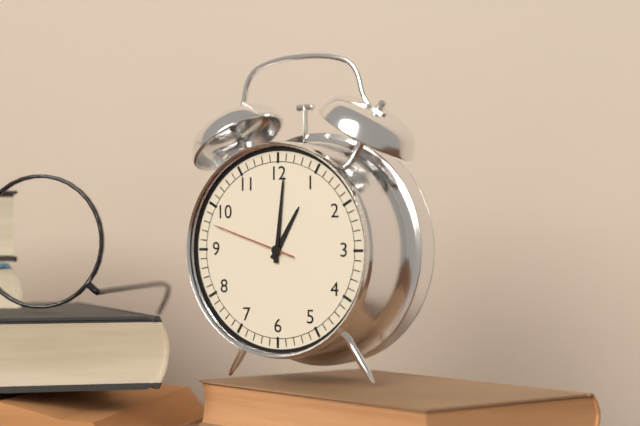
1:01:48
